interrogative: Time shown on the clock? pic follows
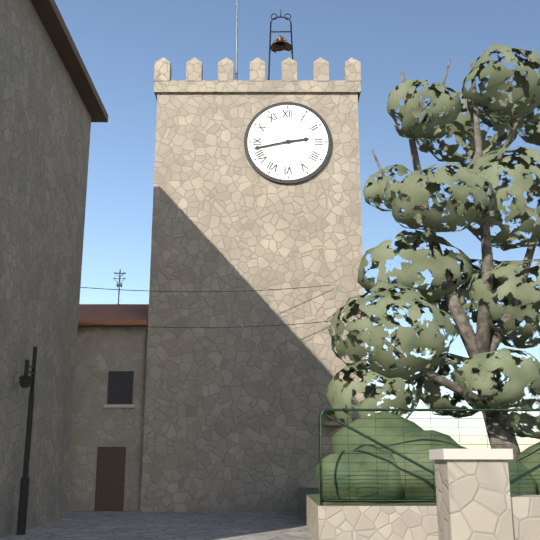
2:43
